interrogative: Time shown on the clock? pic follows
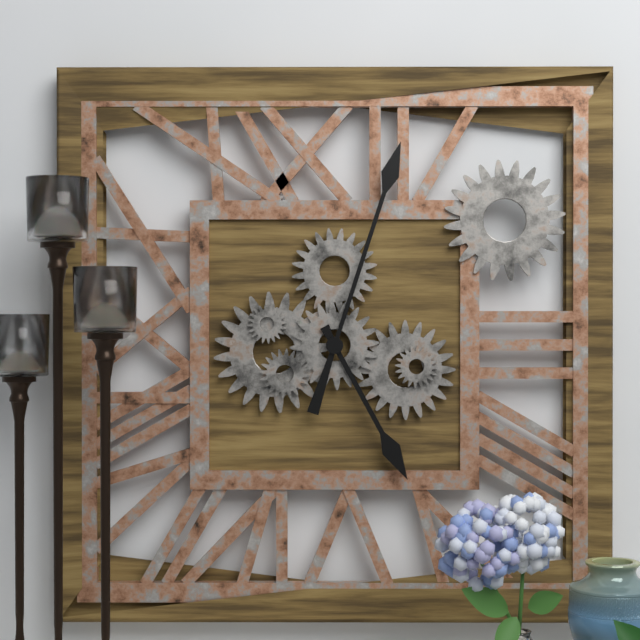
5:03
